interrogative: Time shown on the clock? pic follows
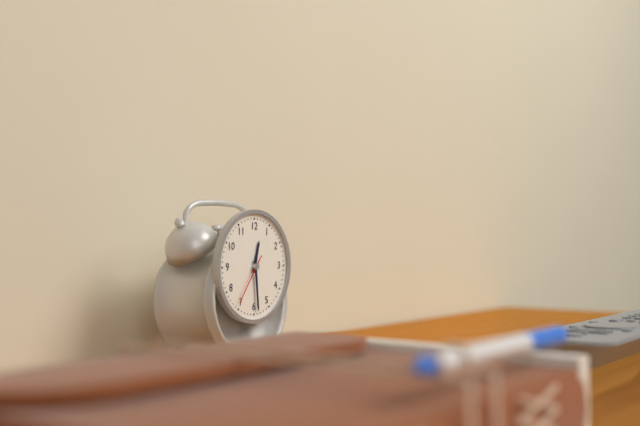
12:29:36
